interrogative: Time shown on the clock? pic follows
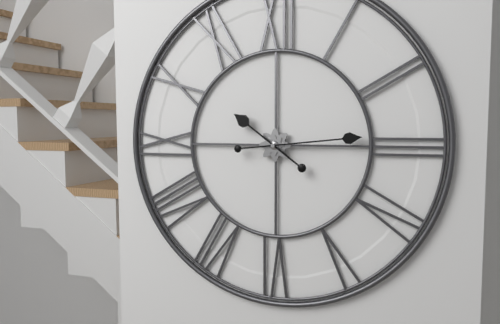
10:14
